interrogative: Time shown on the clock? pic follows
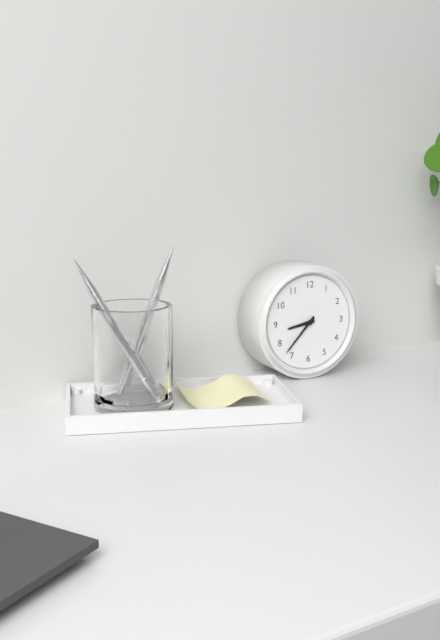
8:37
